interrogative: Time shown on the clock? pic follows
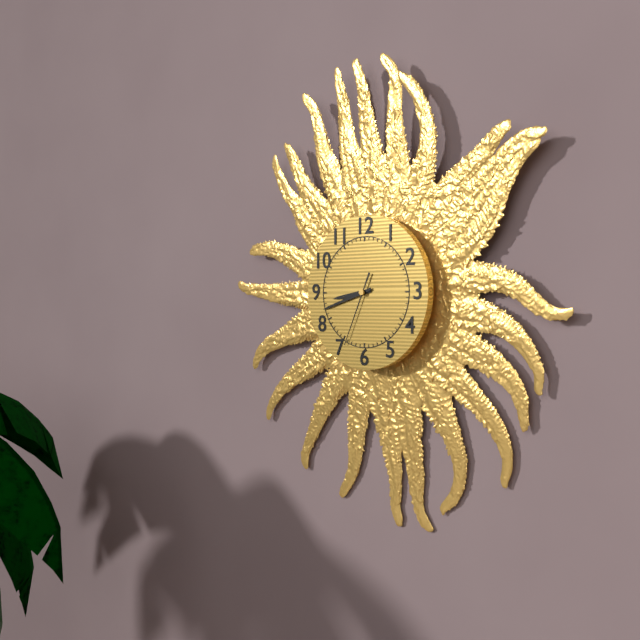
8:42:34
